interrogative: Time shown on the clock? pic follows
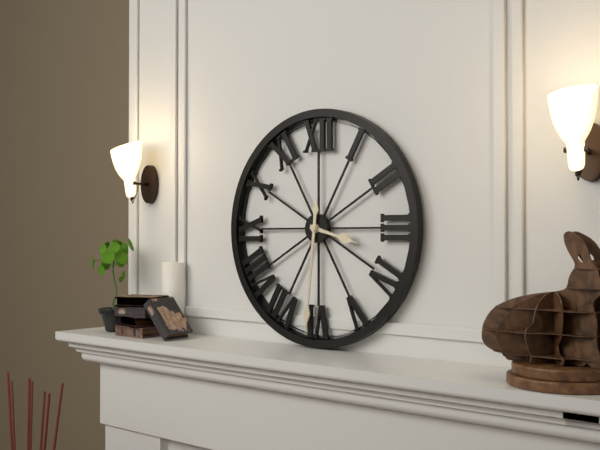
3:31
